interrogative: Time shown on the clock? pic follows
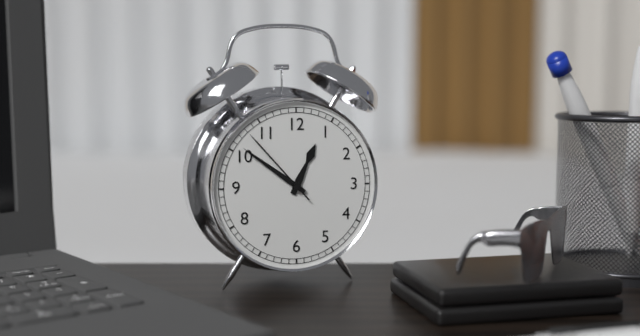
12:51:53
